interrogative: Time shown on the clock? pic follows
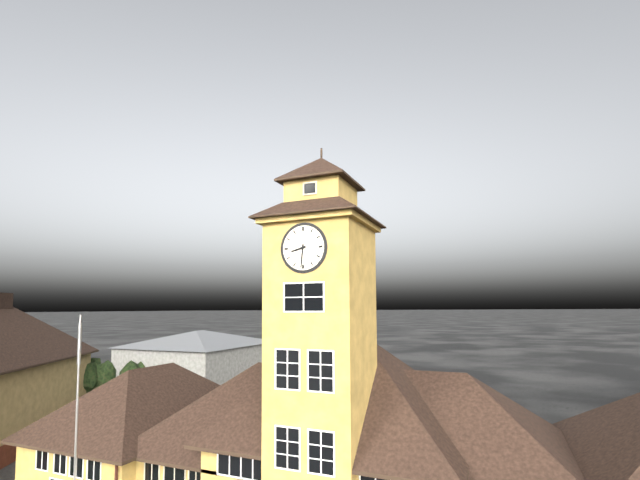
8:31
